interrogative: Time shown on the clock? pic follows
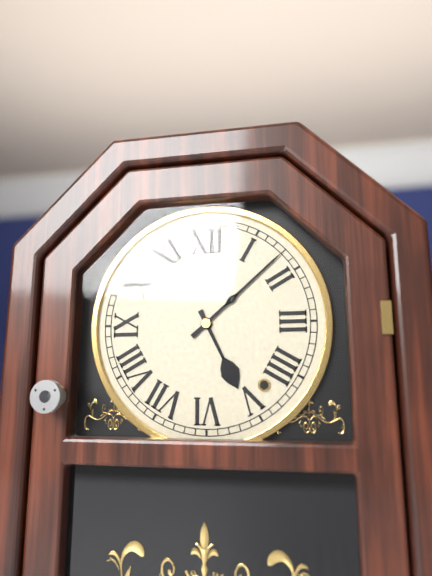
5:08
